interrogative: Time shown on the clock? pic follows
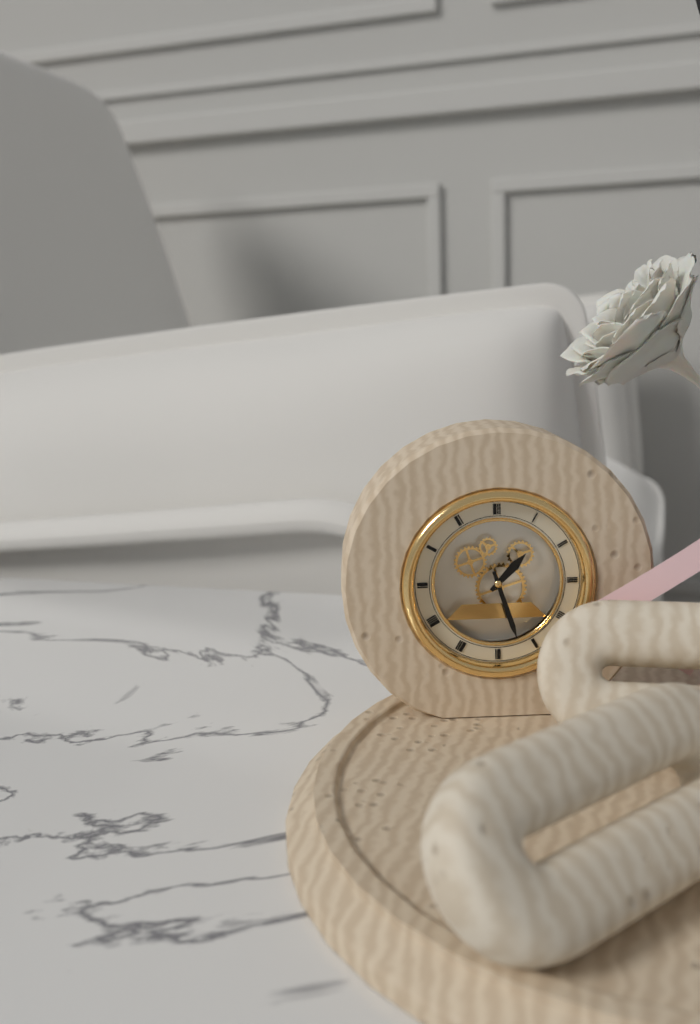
1:27
